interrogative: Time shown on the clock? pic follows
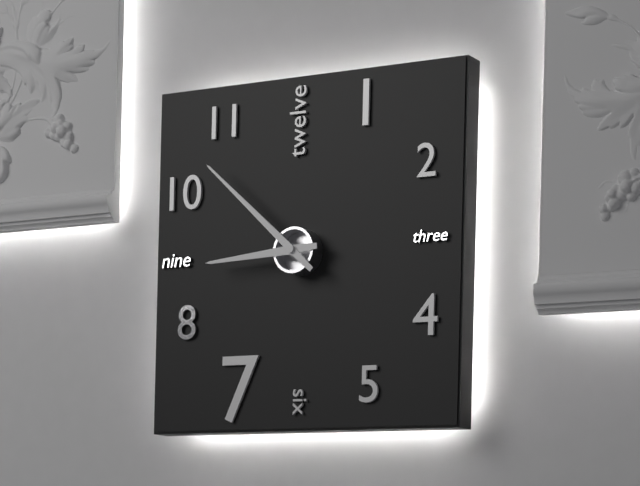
8:52
